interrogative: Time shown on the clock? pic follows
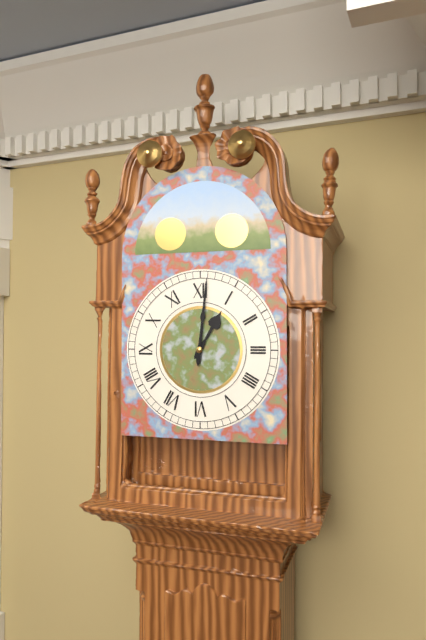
1:01
